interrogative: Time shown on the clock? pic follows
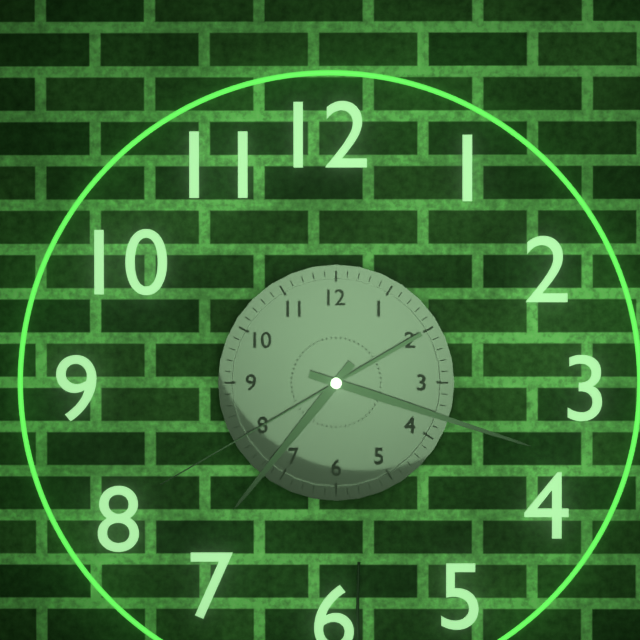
7:18:40
